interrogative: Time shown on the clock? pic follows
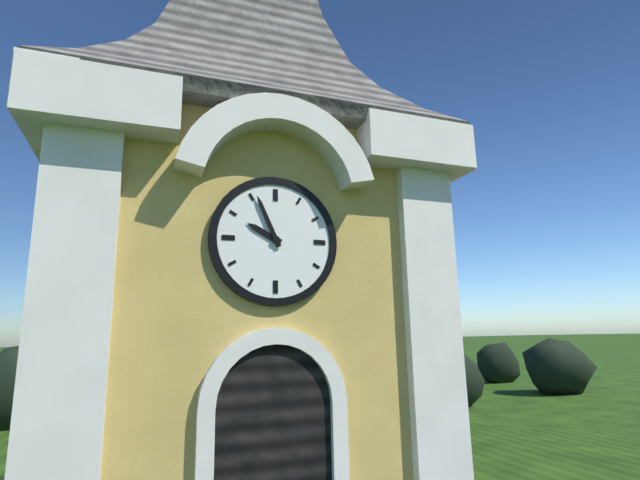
9:56
